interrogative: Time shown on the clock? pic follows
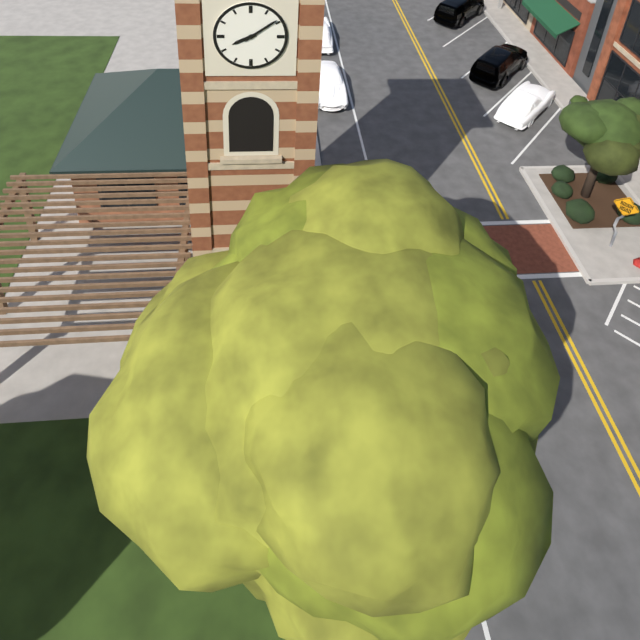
8:09
